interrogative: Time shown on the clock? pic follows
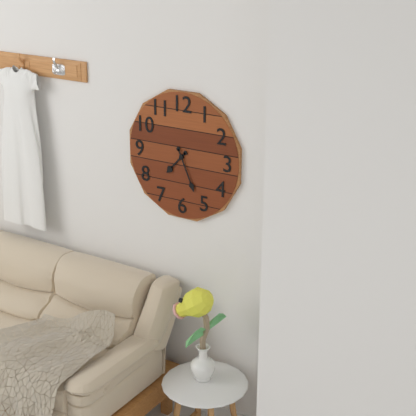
7:26
